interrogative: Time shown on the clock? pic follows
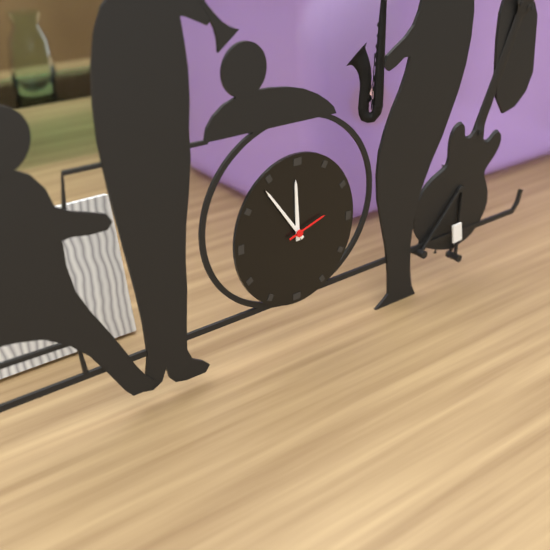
11:54
